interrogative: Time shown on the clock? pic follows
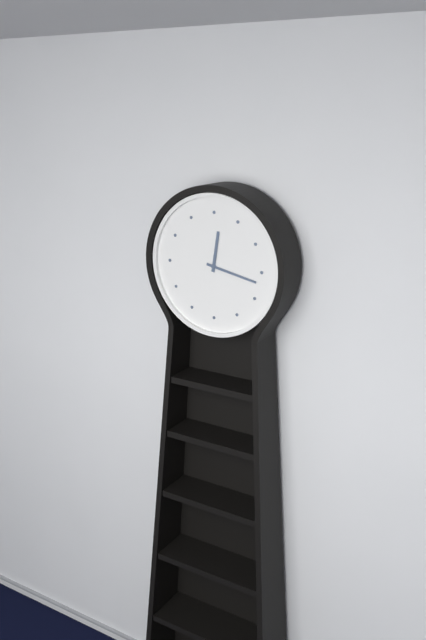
12:17
